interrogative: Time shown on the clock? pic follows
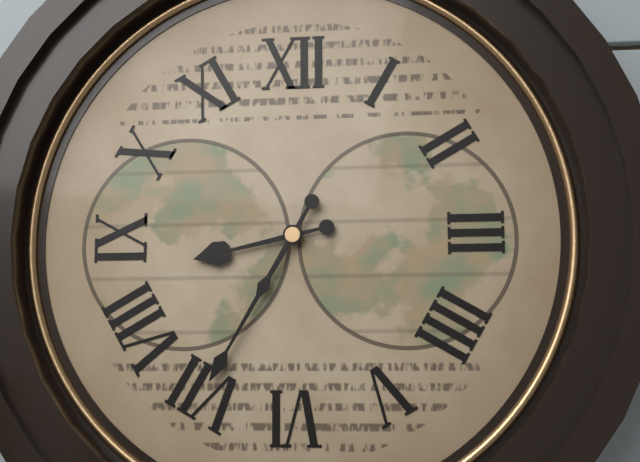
8:35
